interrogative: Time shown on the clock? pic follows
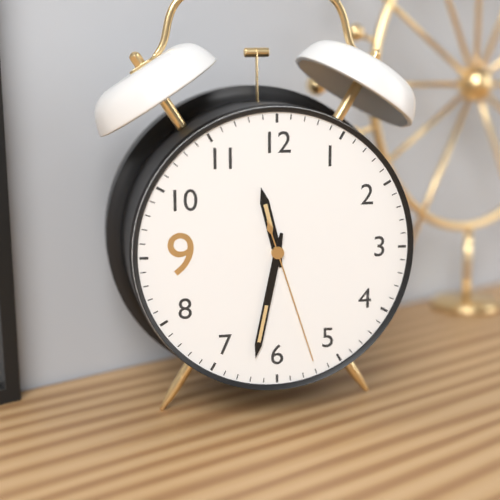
11:32:27
